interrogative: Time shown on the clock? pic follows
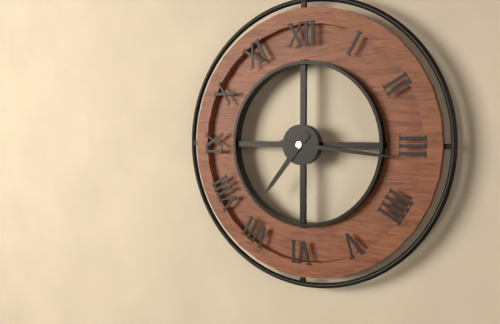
7:16
